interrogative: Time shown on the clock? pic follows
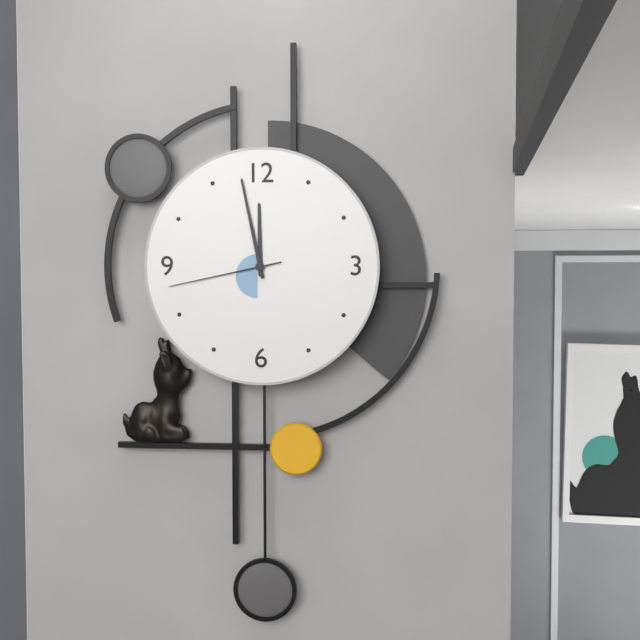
11:58:43
